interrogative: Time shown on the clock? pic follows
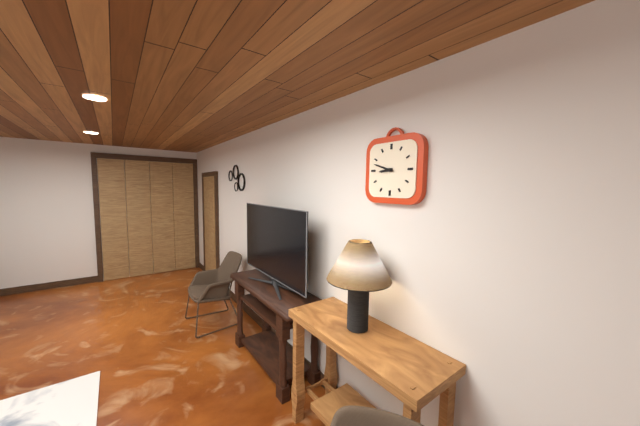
8:48
